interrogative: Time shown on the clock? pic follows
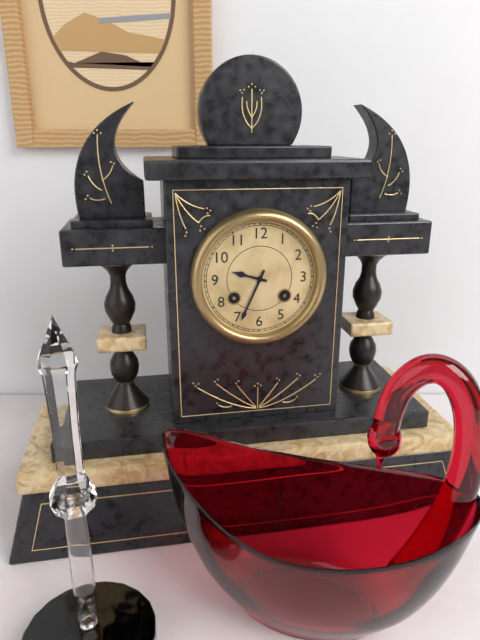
9:34
